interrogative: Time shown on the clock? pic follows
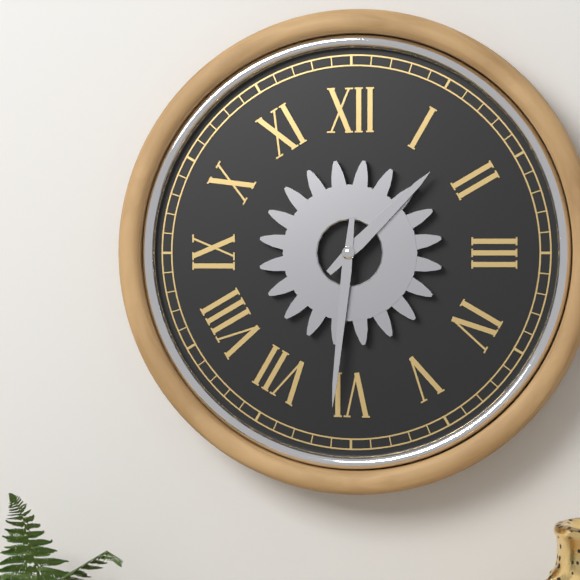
1:31
